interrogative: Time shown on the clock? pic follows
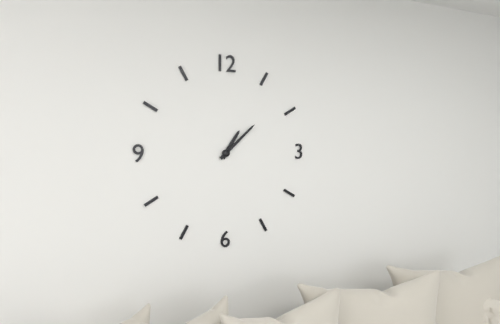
1:08
